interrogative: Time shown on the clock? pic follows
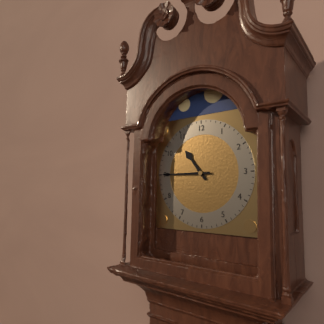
10:45
